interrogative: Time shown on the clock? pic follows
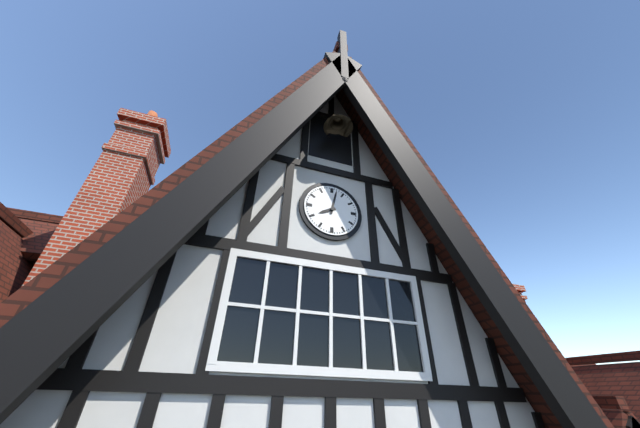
8:02
